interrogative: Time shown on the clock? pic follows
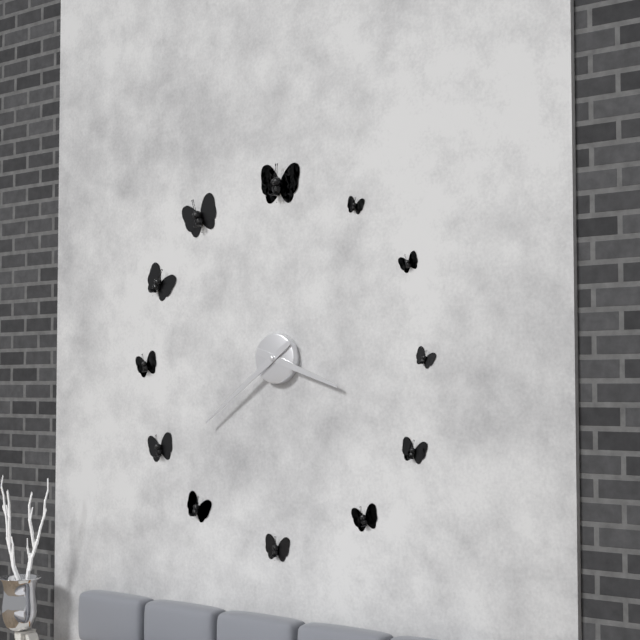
3:39
